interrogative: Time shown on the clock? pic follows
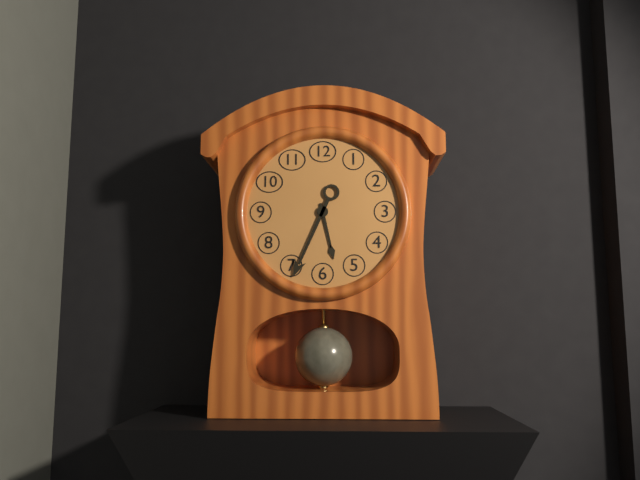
5:34
